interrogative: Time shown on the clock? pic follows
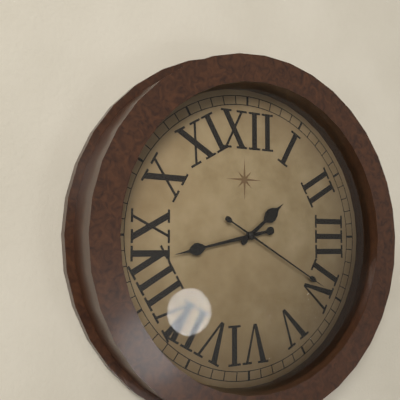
1:43:20
